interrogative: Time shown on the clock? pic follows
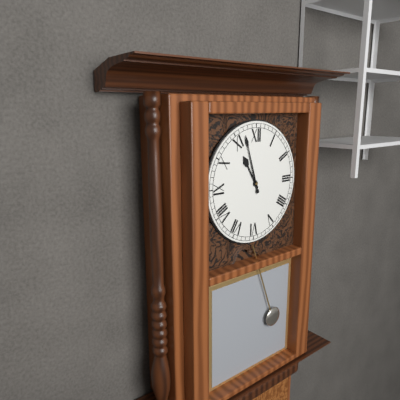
10:57
